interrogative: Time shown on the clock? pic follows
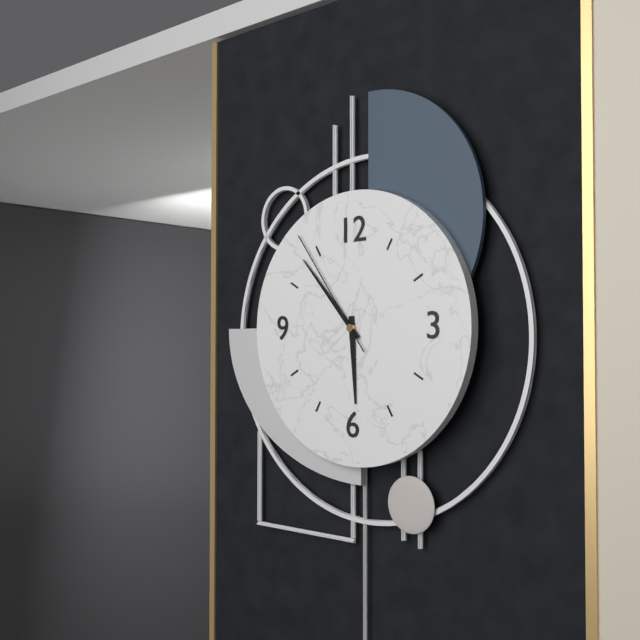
5:53:54
